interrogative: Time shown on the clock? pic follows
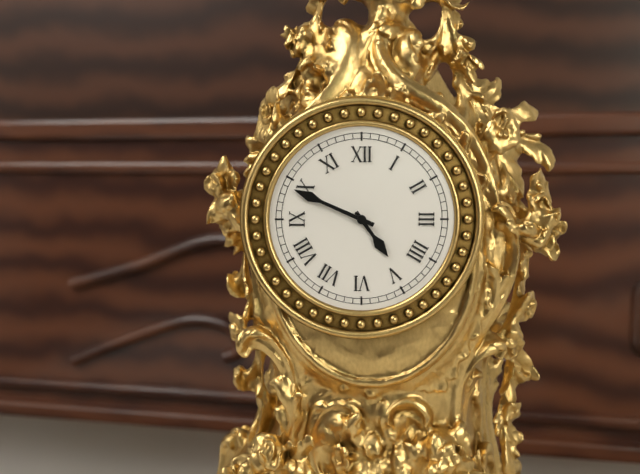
4:49
